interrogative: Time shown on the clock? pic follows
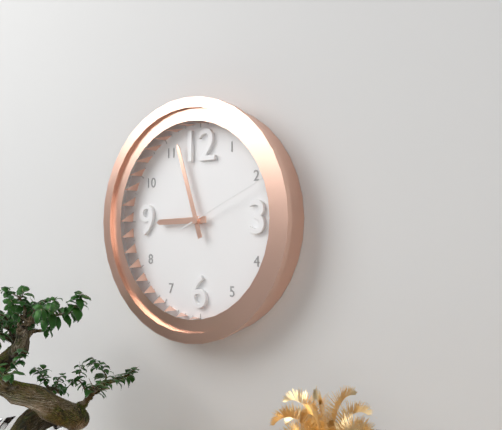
8:57:11
